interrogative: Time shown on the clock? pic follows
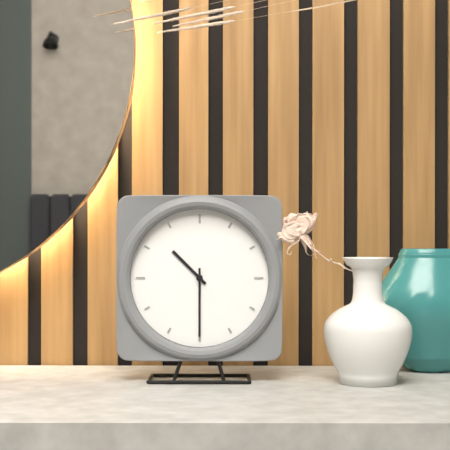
10:30
